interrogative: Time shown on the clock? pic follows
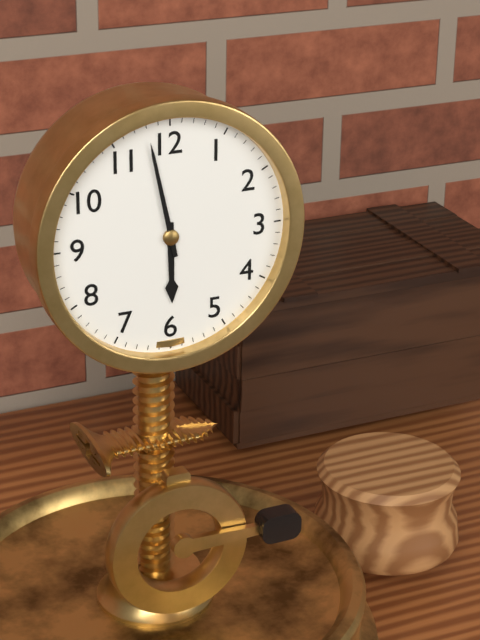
5:58
